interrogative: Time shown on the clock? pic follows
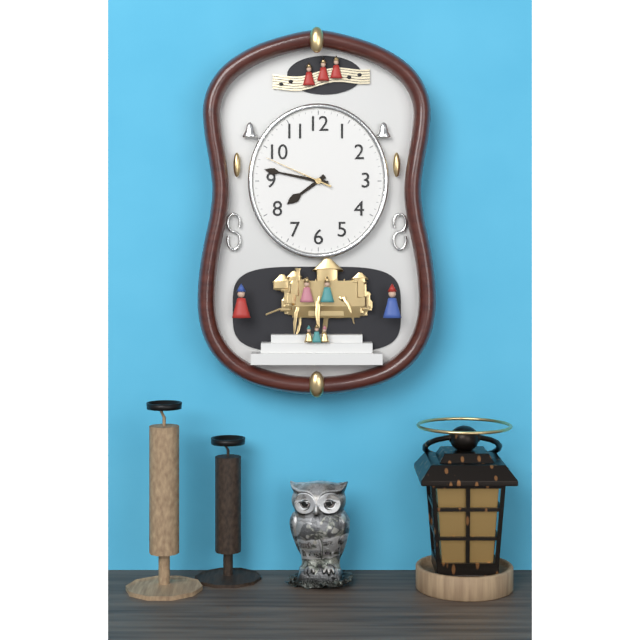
7:47:49
